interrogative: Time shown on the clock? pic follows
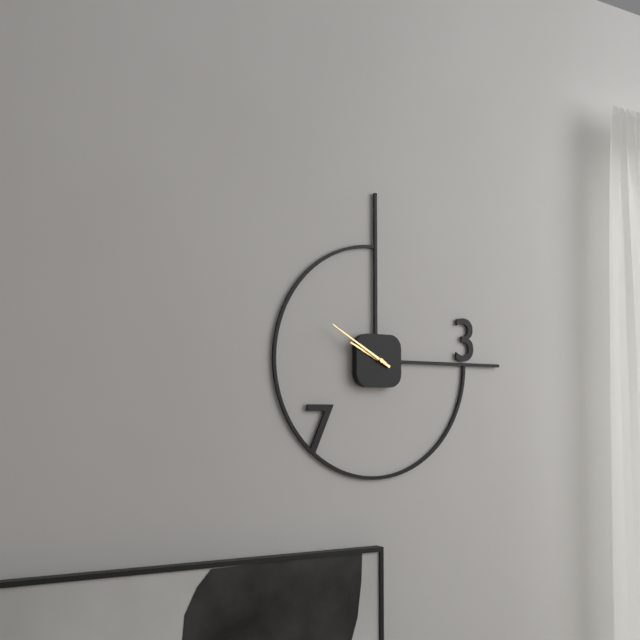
9:50
